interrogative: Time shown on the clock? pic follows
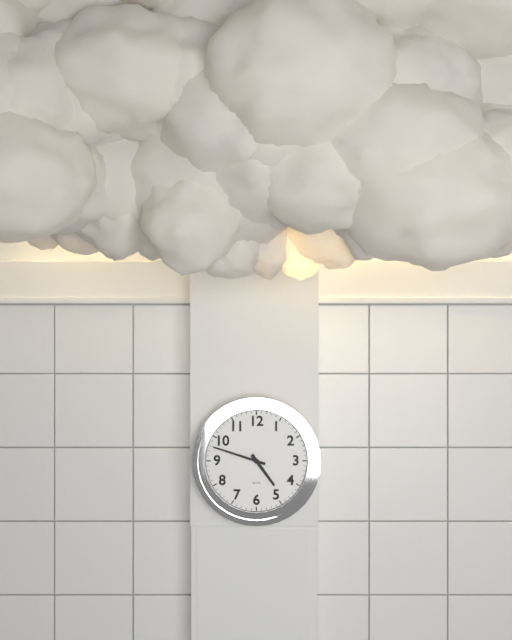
4:48
